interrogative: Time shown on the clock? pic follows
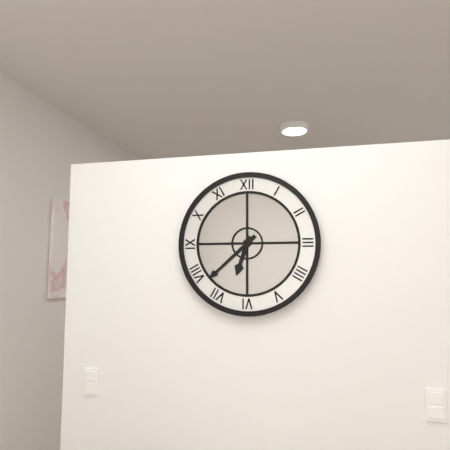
6:38
